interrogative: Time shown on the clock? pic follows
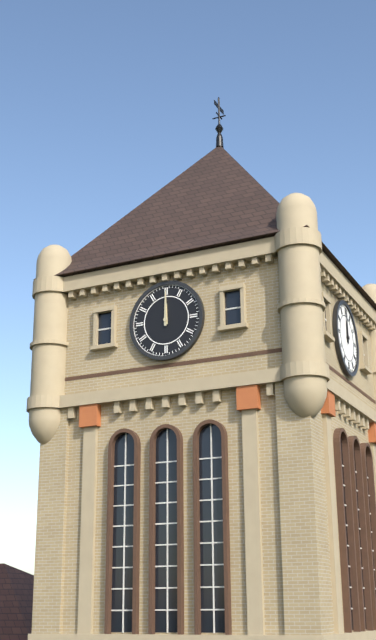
12:00
